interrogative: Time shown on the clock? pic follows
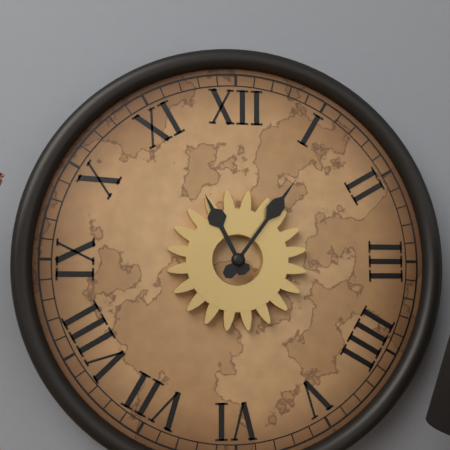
11:06
